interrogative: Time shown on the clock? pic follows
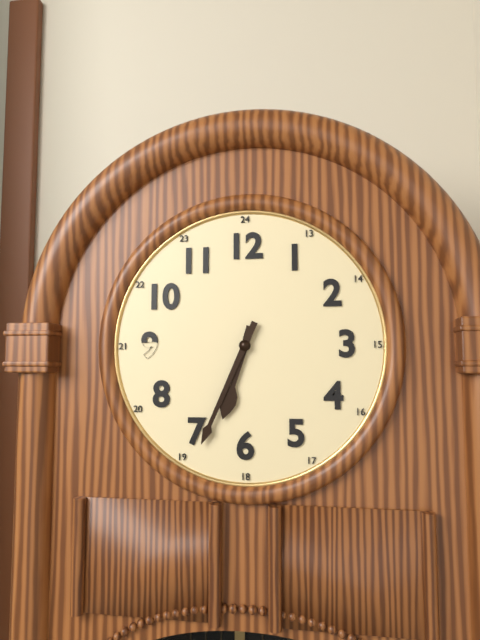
6:34
